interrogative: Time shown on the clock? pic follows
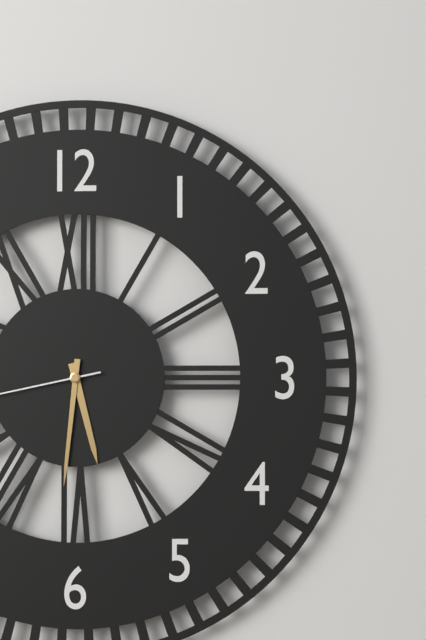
5:31
